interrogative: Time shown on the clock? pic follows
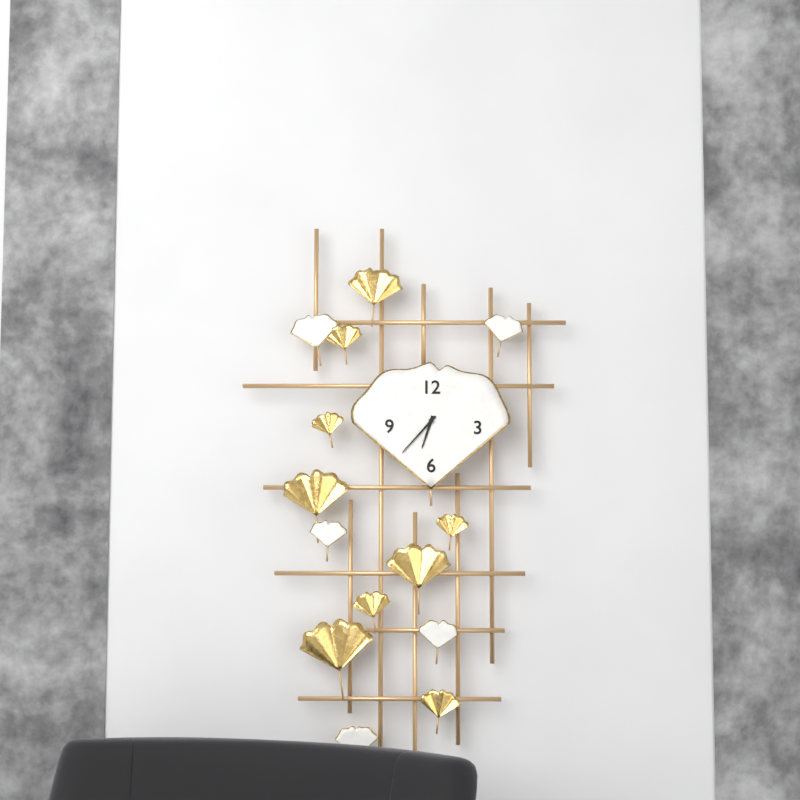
6:37
